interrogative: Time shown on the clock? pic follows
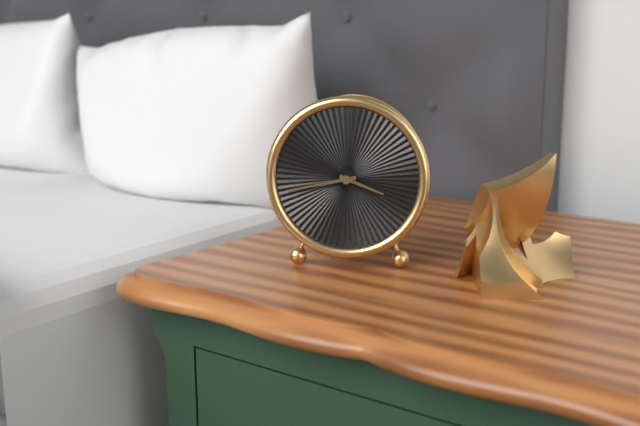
3:43
